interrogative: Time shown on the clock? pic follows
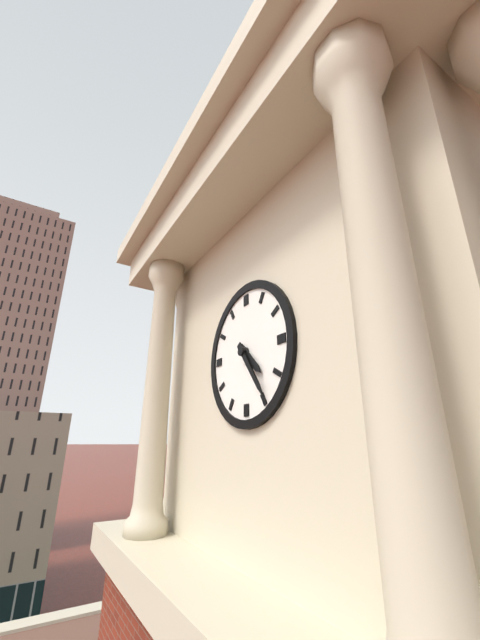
4:24
